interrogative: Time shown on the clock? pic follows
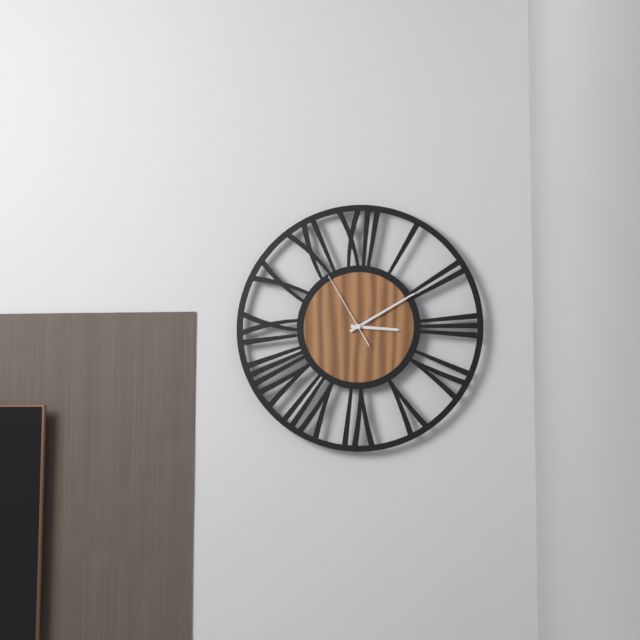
3:10:55
